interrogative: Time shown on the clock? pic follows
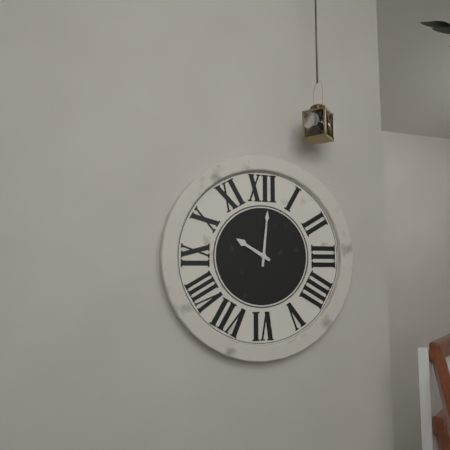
10:01
